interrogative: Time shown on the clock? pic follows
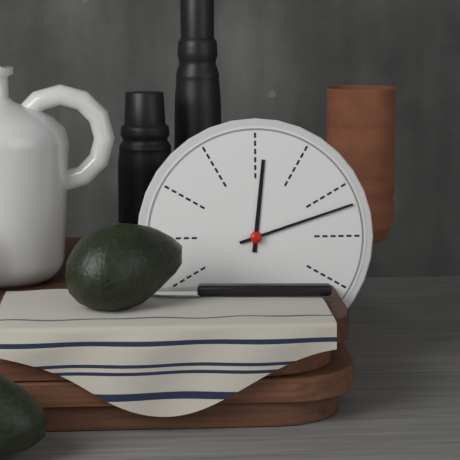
12:12
